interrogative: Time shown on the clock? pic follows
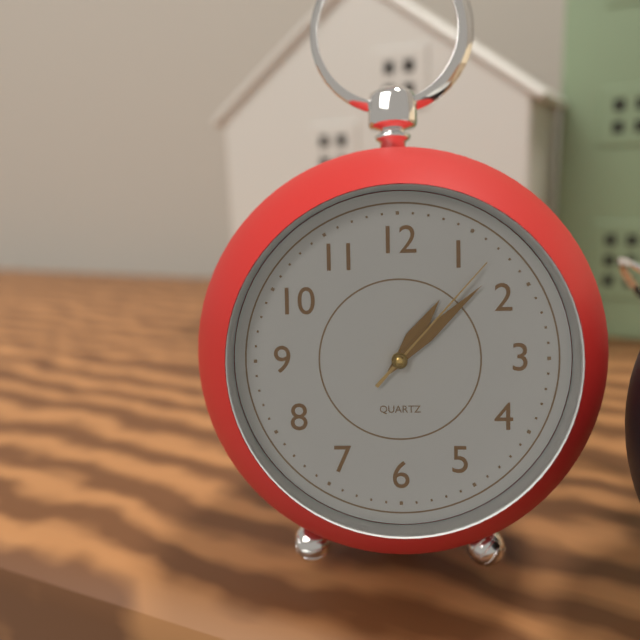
1:08:07
